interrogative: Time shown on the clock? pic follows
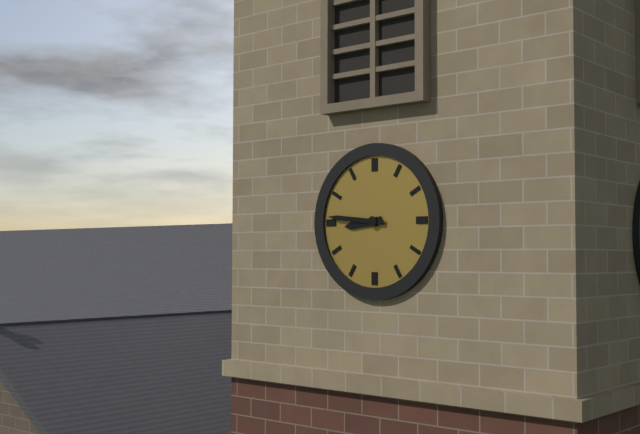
8:46
